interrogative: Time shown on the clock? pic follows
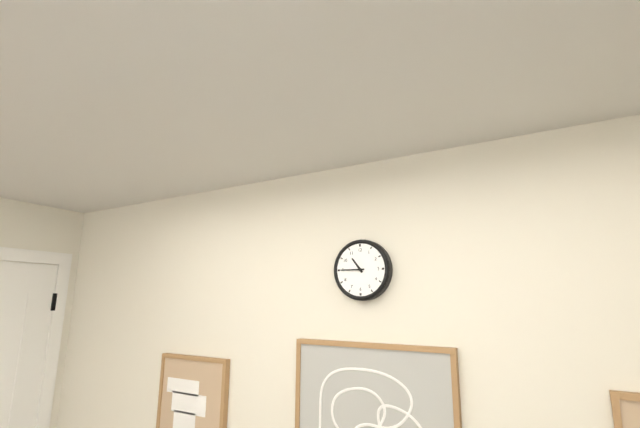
10:45
